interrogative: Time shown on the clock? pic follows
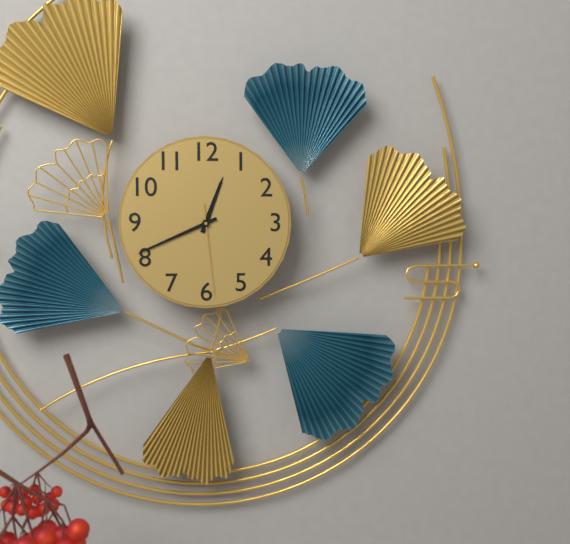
12:41:29
